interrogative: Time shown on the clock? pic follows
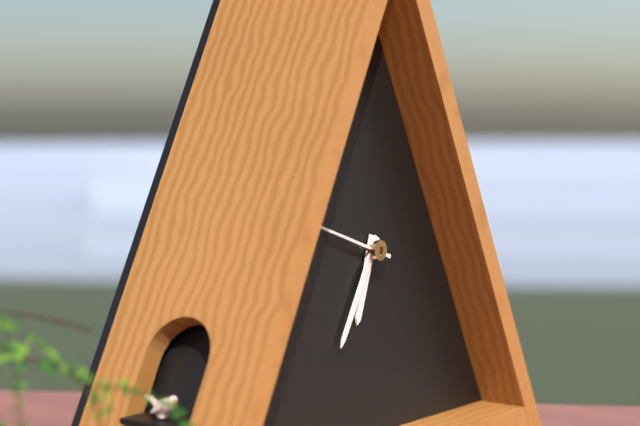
6:35:48
